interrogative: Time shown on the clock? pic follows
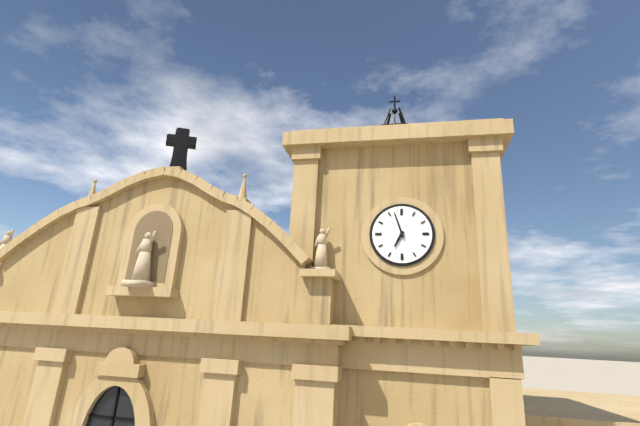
6:57
